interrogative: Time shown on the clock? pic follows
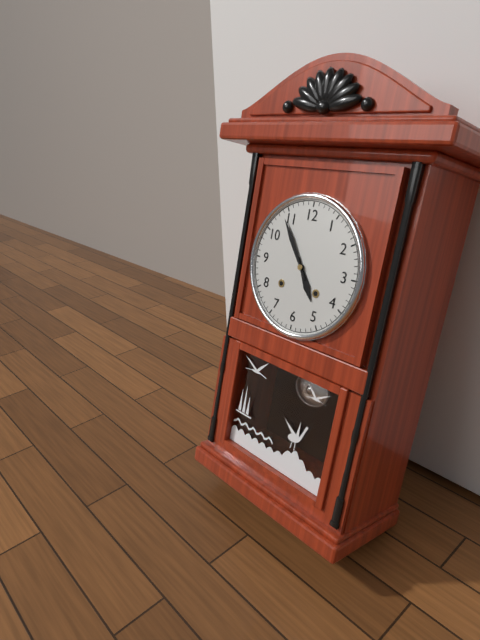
4:54
